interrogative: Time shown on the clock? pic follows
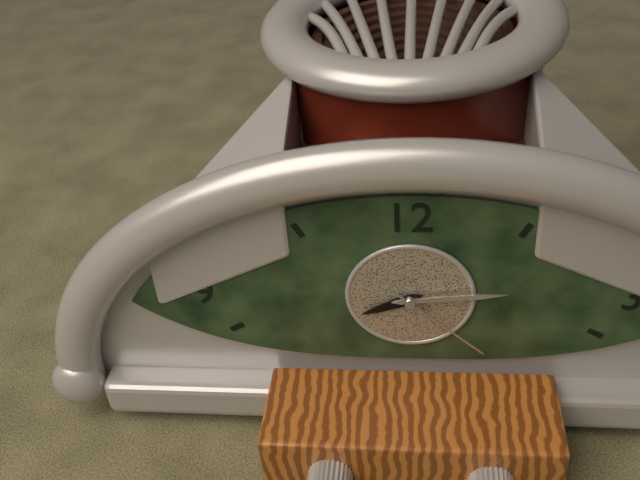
8:14:22
